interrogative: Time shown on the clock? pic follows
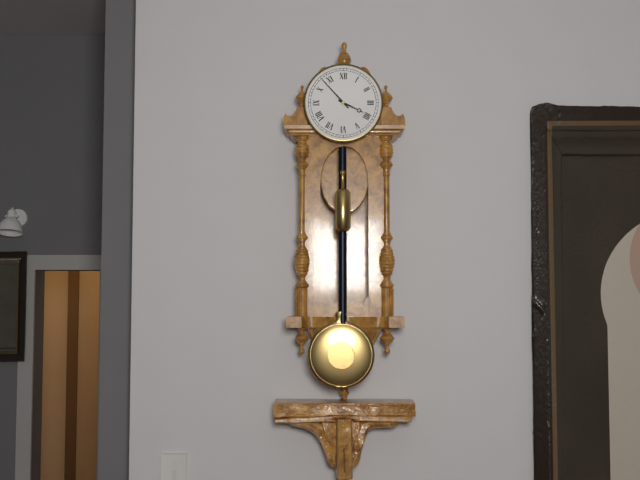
3:53
